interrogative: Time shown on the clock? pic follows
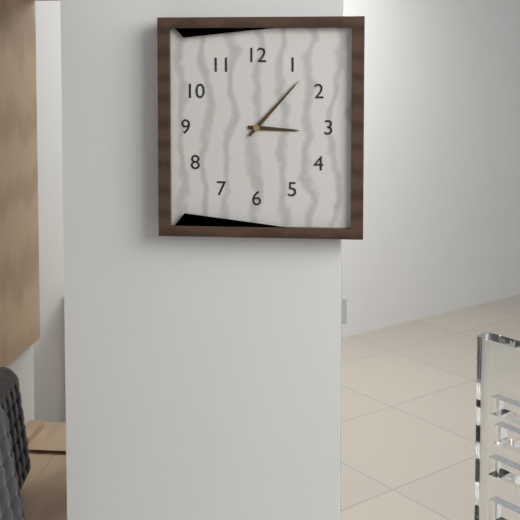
3:07
